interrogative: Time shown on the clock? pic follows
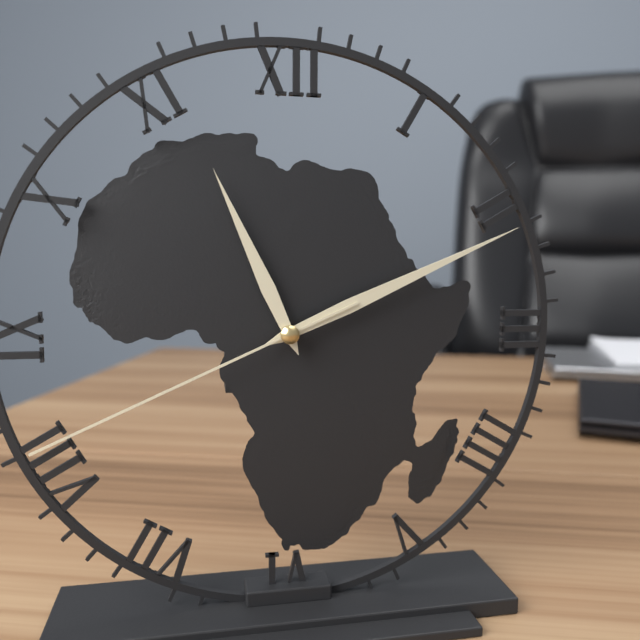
11:11:41
